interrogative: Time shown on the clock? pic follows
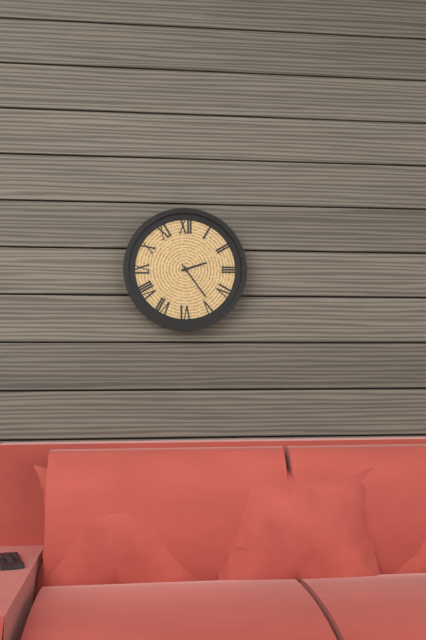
2:24
